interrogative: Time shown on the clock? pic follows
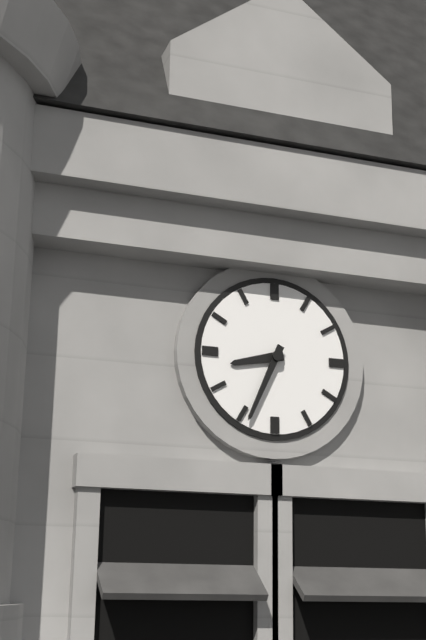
8:34
